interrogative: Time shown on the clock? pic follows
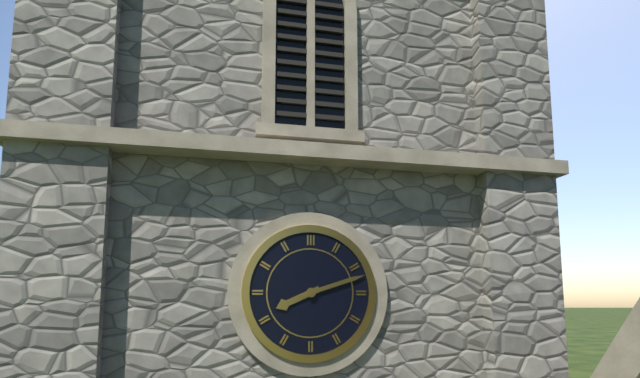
8:12
